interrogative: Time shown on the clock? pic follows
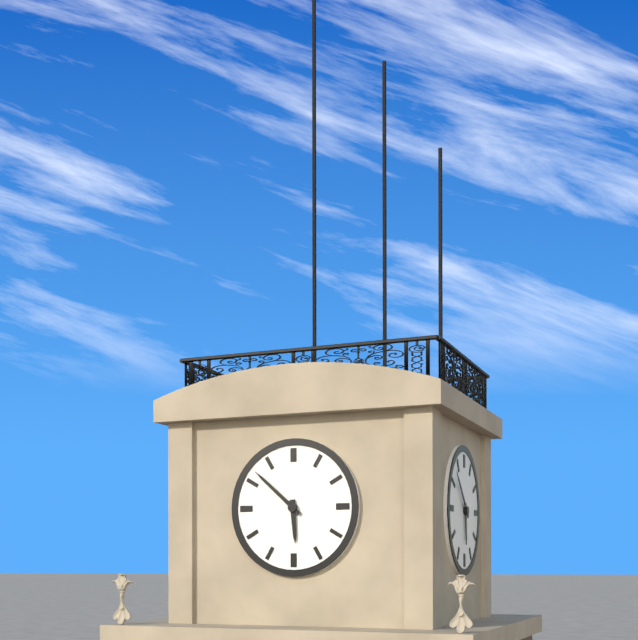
5:52
